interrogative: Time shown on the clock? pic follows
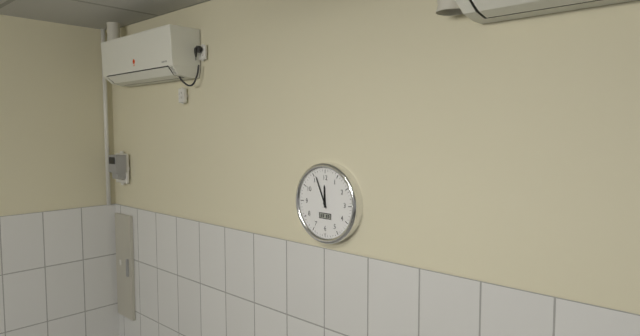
11:56
